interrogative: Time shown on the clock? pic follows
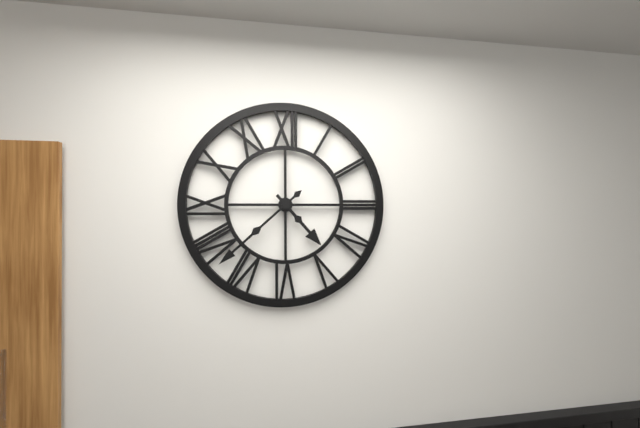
4:38
